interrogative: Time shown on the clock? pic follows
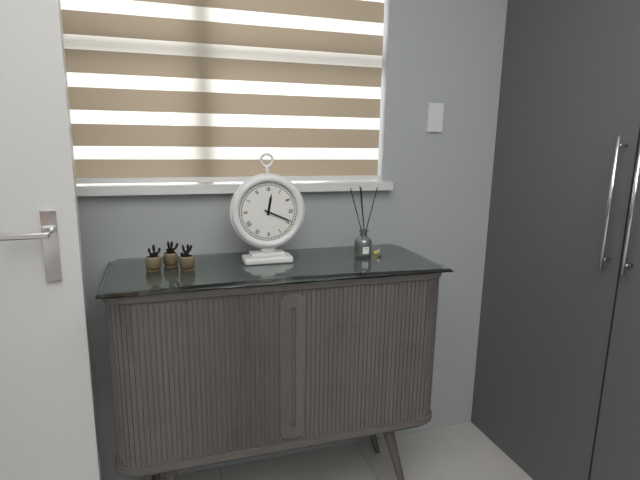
12:19
